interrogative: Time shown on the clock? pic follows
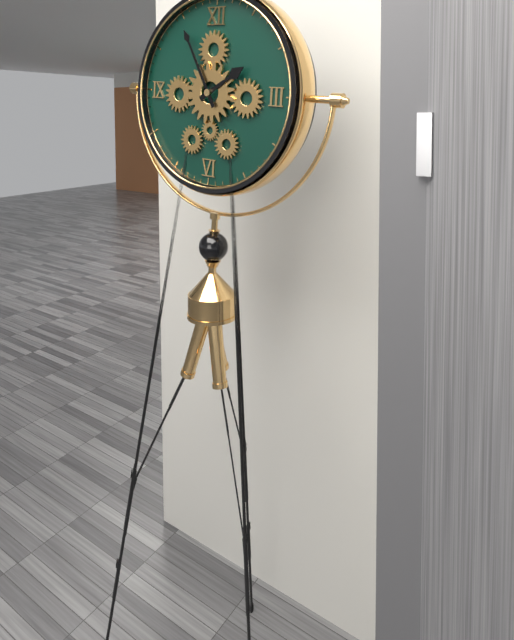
1:55
